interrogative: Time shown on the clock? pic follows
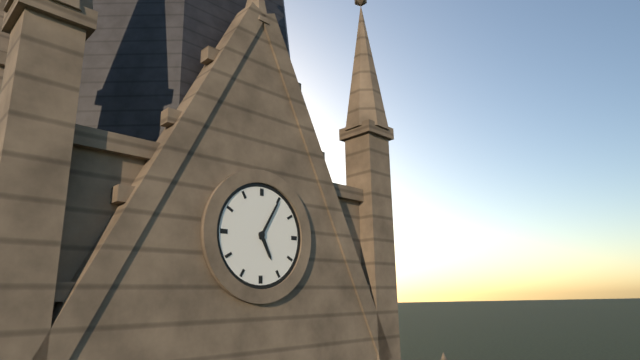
5:05
